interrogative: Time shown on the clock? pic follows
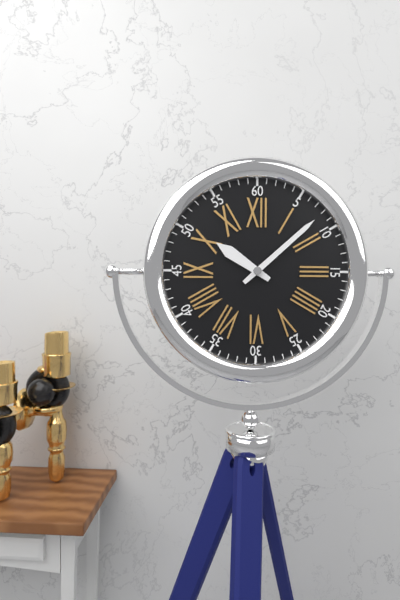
10:08
